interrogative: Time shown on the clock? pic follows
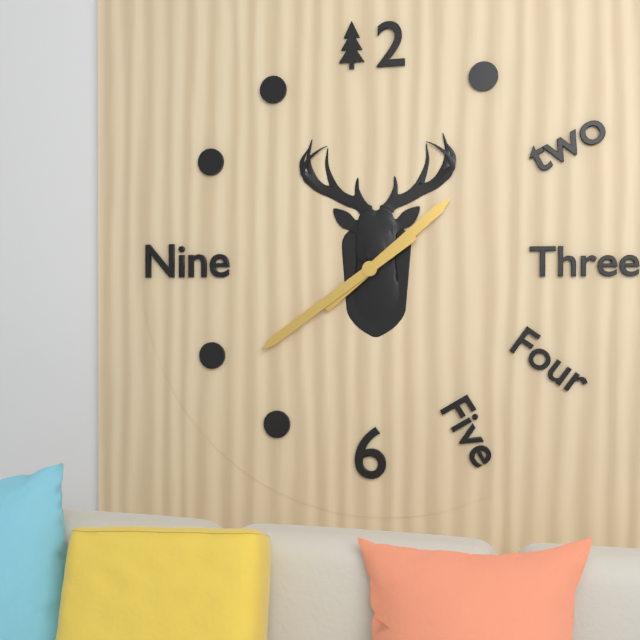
1:39
